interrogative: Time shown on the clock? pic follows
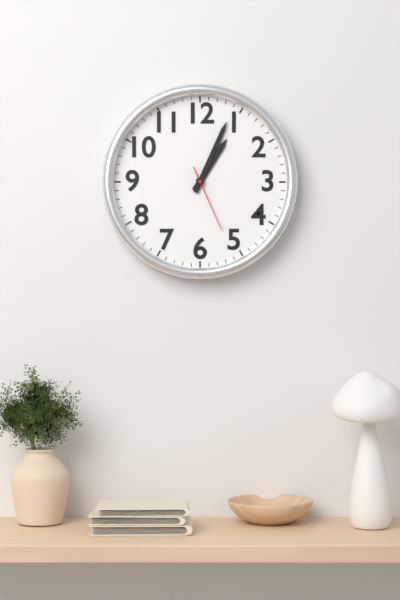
1:04:26
